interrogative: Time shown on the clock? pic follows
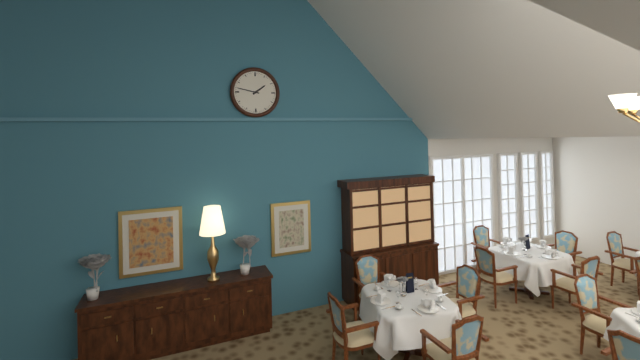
1:47
